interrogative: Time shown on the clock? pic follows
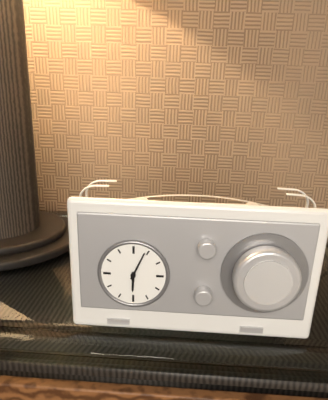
6:04
